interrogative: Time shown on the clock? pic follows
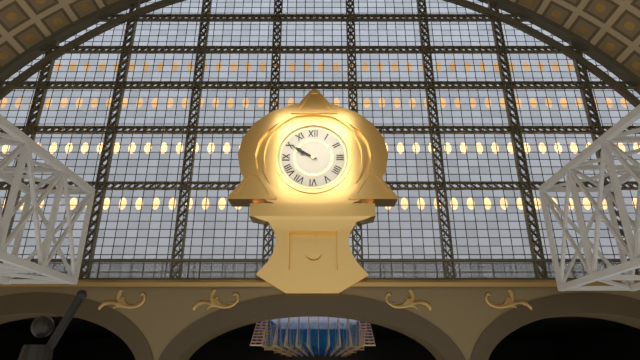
9:50
